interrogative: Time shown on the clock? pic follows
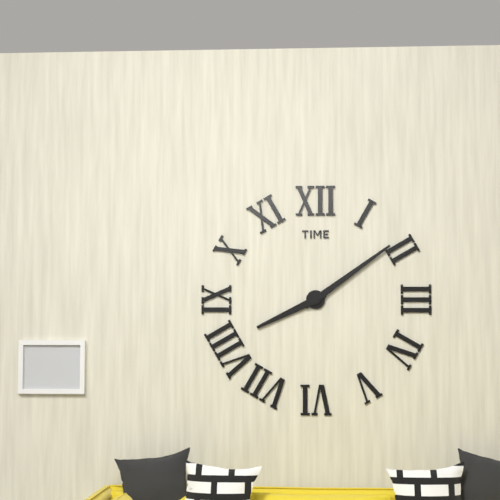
8:09
